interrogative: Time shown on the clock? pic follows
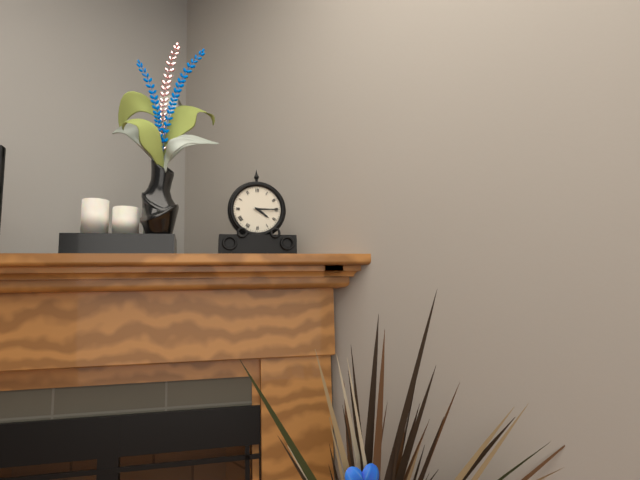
4:15
